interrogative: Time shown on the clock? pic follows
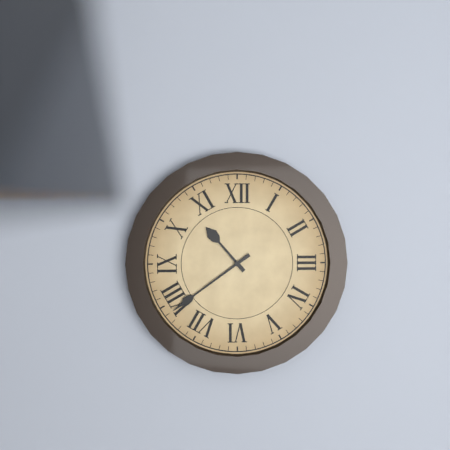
10:39
